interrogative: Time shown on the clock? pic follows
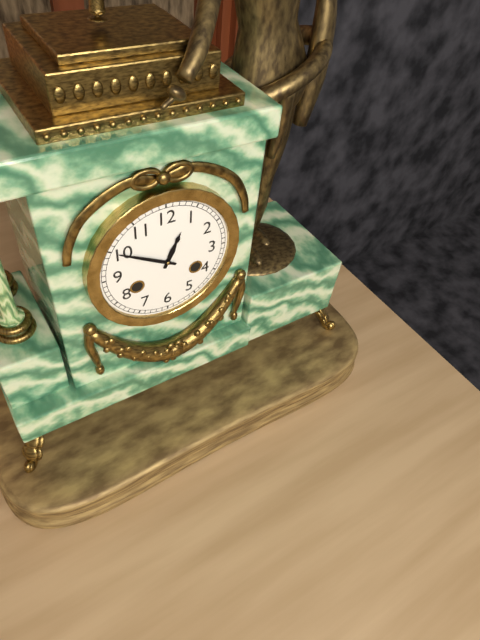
12:50
